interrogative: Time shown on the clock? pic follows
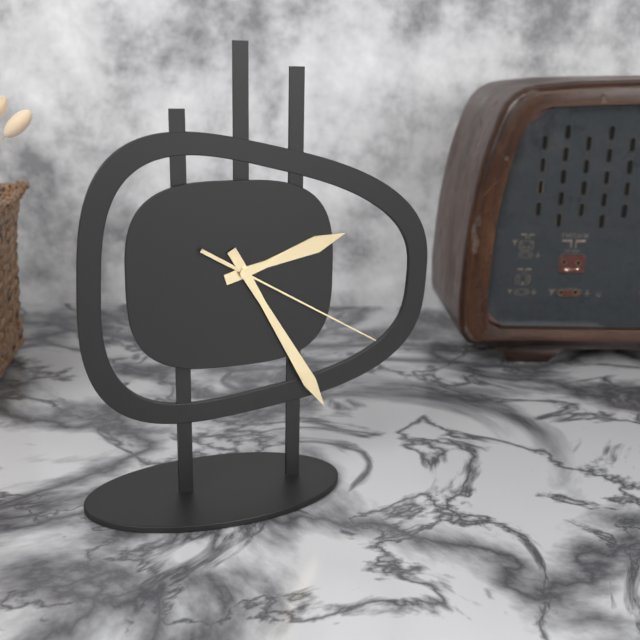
2:25:20
